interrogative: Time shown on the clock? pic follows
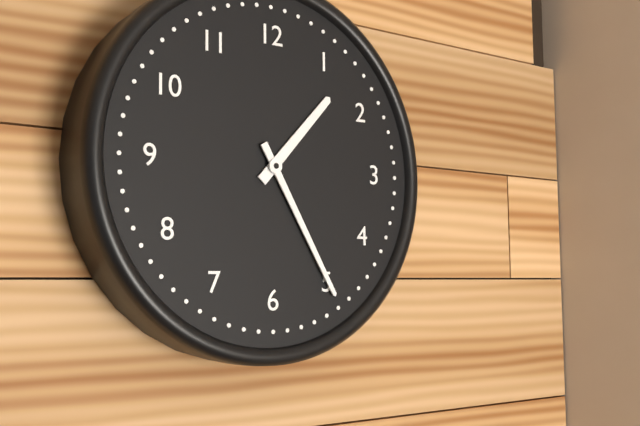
1:25
